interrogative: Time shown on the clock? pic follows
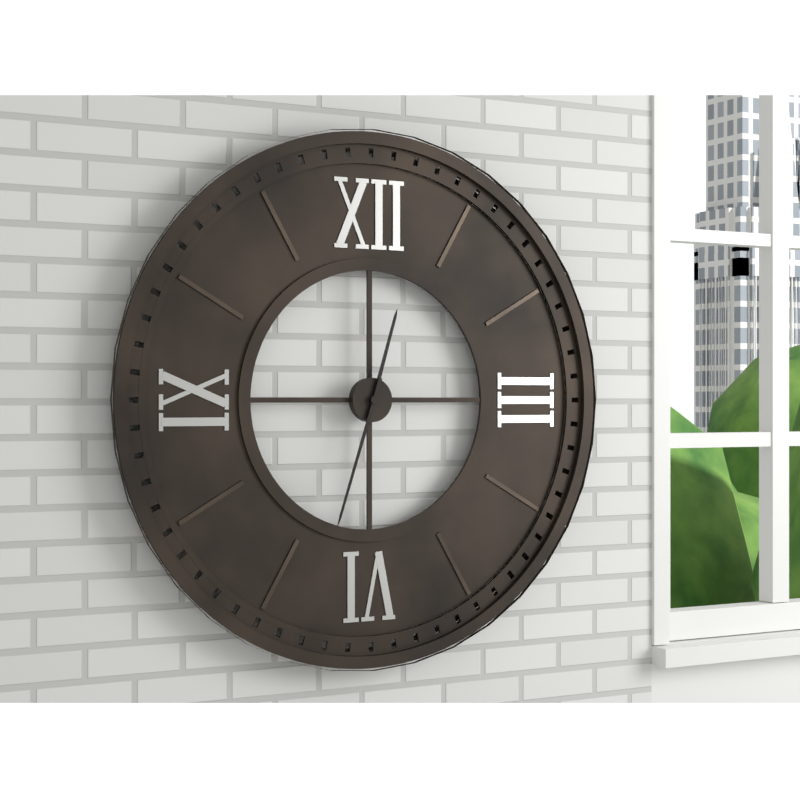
12:33
